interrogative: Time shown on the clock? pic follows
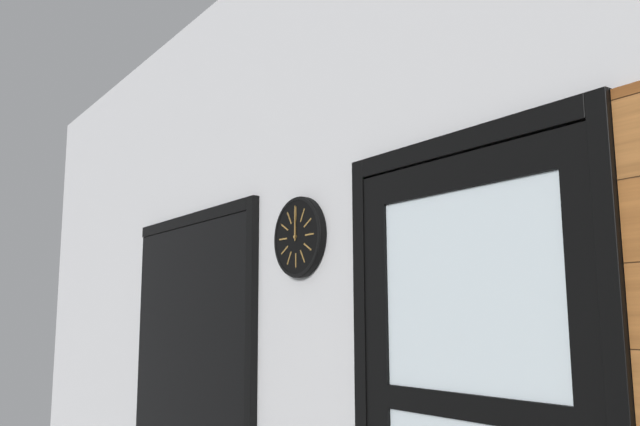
12:00
